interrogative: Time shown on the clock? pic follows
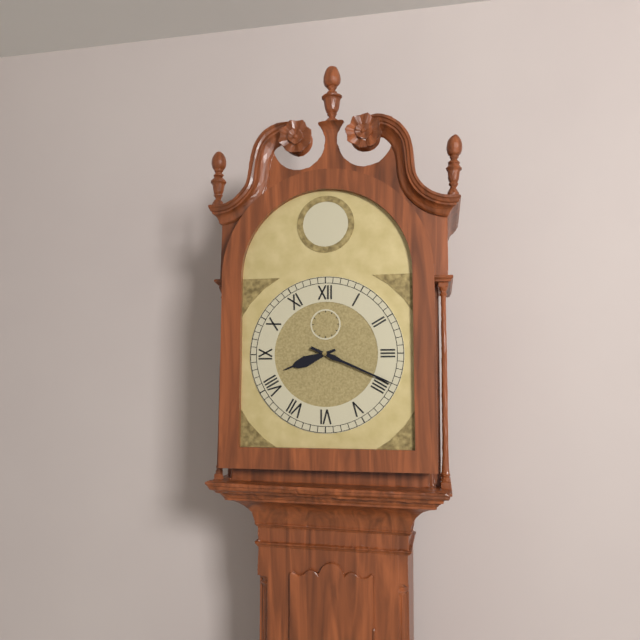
8:19
